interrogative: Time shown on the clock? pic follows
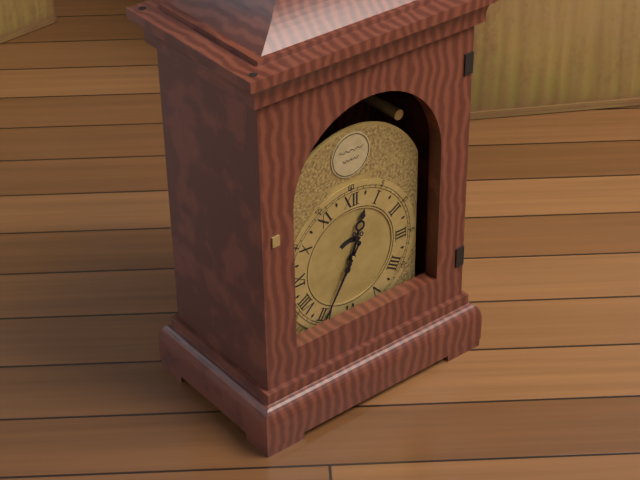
12:35
